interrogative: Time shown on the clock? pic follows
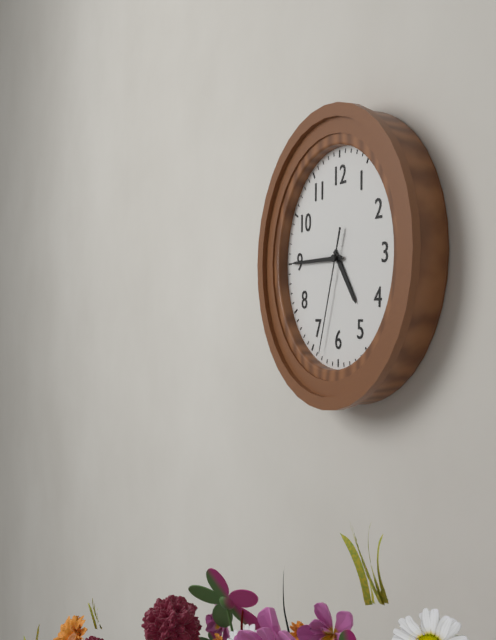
4:45:33
